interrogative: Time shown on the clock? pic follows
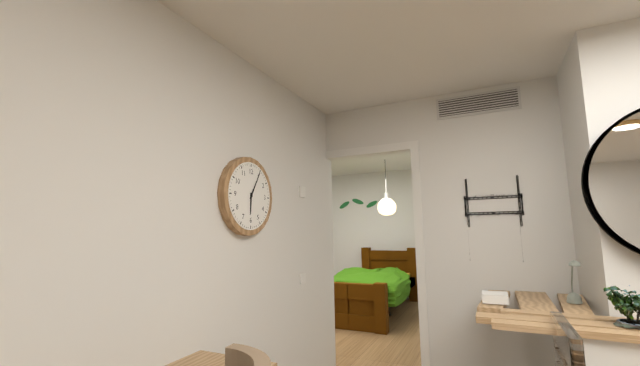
6:05
